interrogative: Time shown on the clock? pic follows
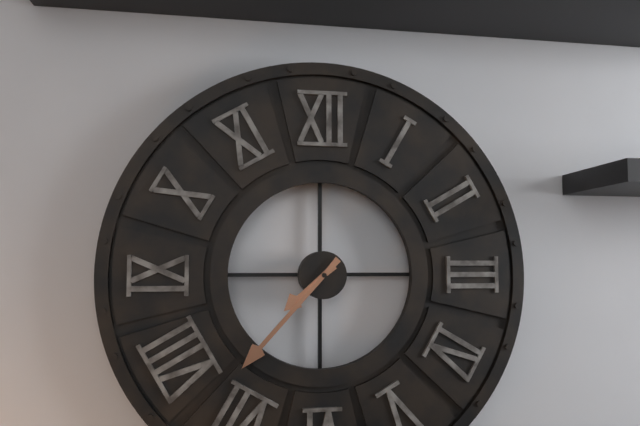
7:37
